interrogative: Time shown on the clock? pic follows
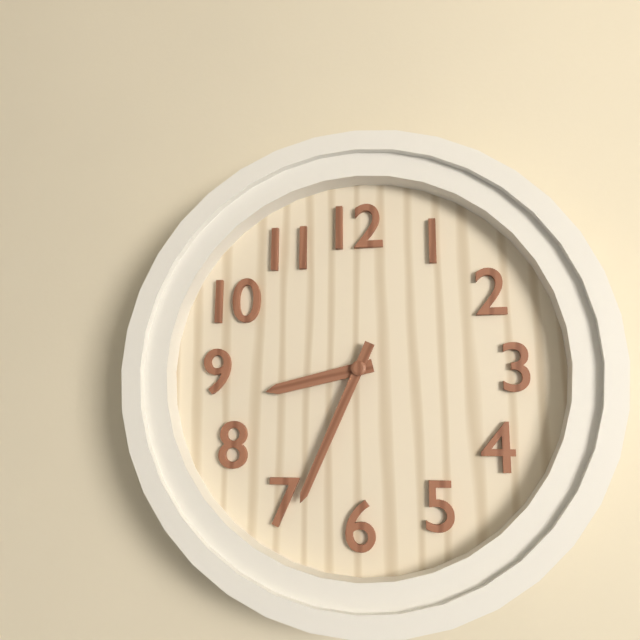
8:34
